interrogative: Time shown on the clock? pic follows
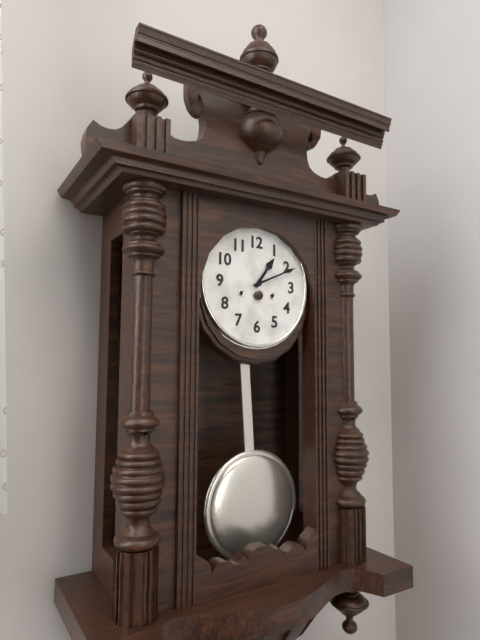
1:11
